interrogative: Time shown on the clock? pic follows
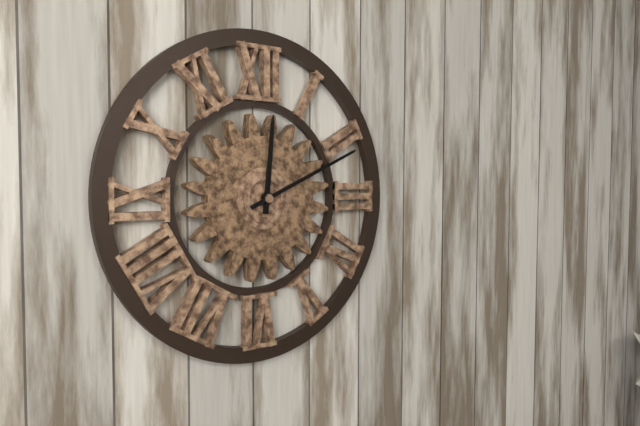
12:11
